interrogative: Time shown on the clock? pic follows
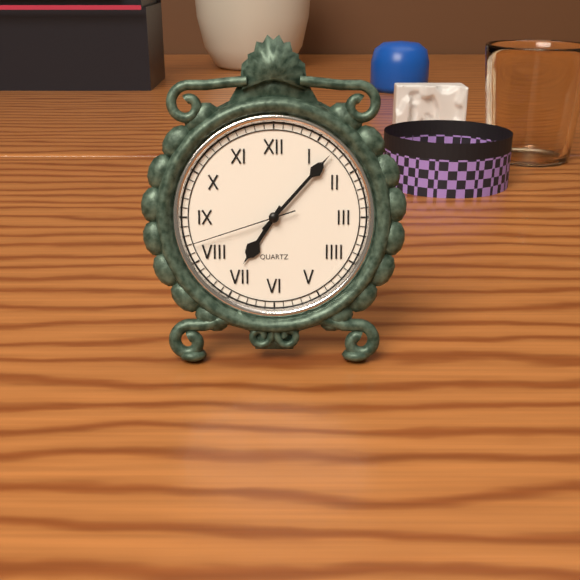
7:07:42
